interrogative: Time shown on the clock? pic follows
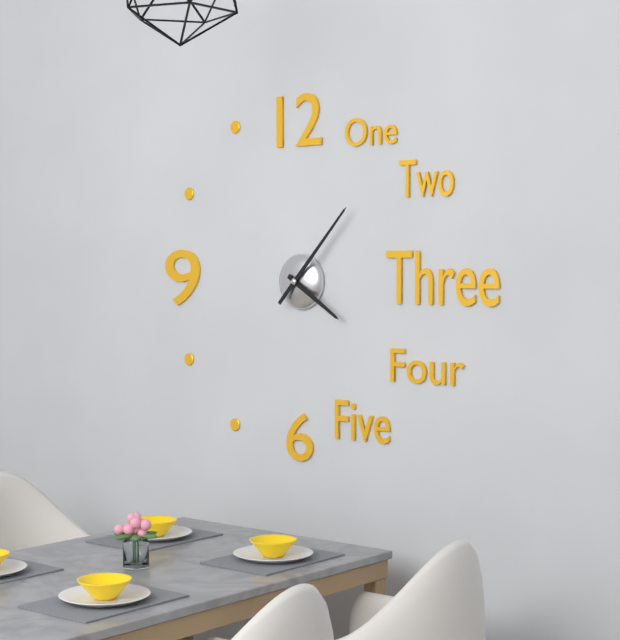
4:07
